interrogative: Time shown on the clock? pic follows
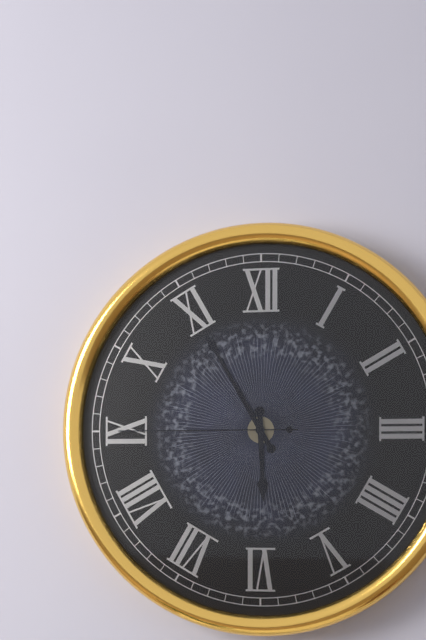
5:55:45
